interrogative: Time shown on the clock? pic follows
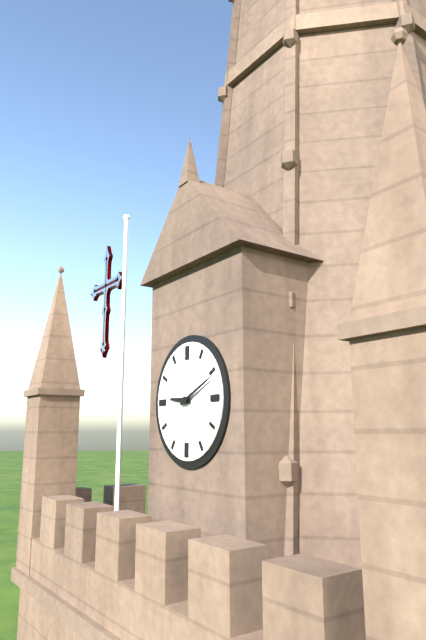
9:11
